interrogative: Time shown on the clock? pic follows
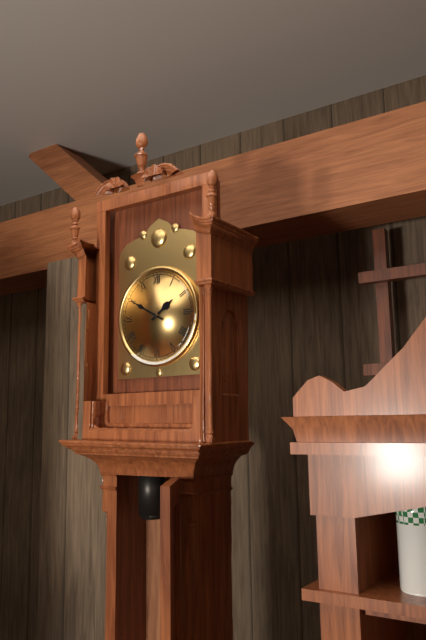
1:50
